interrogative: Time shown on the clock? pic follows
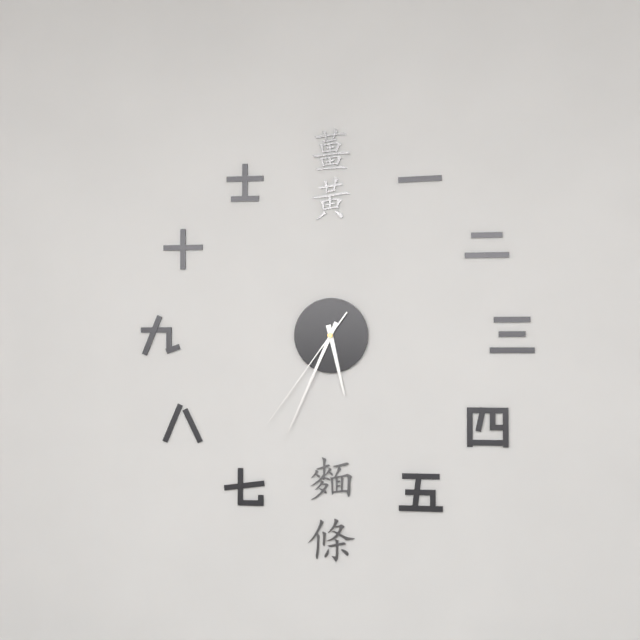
5:34:36
